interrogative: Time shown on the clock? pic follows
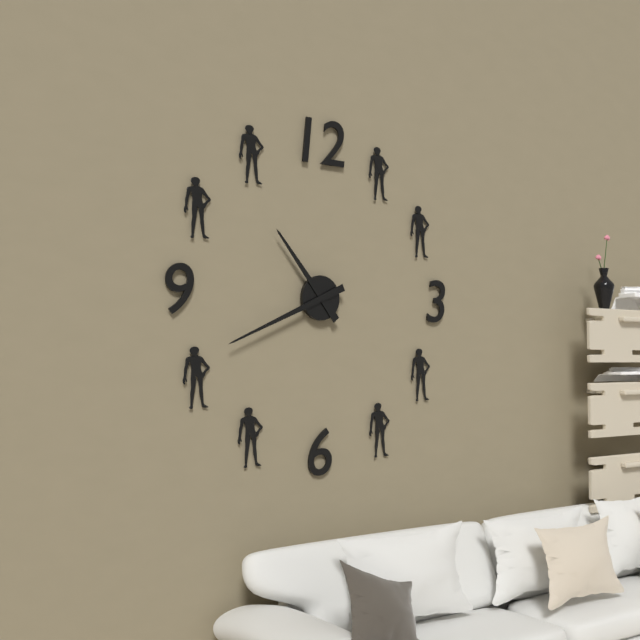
10:41
